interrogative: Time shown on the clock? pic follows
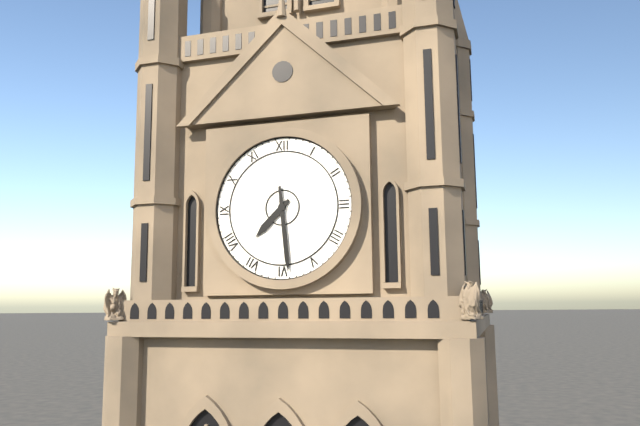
7:29
